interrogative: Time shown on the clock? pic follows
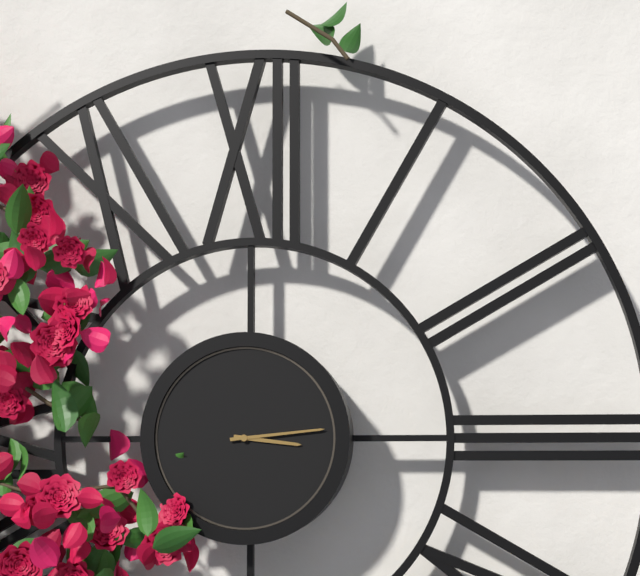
3:14
